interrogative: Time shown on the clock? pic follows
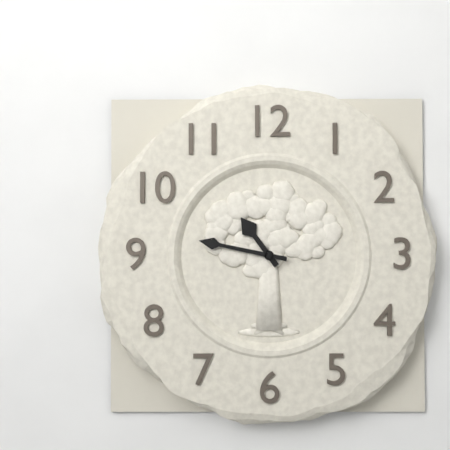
10:47
